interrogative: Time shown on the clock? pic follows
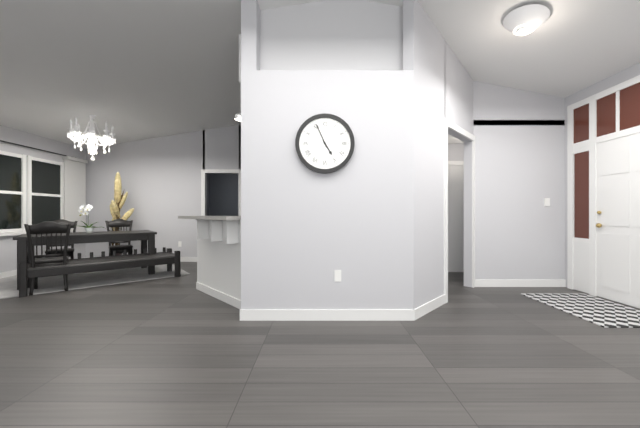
4:56
